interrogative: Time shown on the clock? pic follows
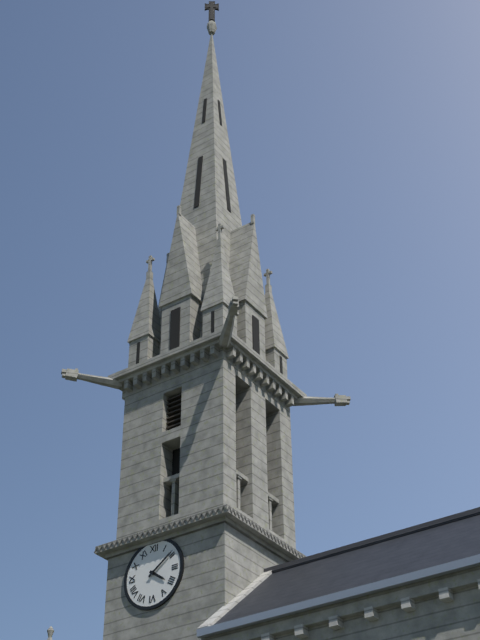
4:09
